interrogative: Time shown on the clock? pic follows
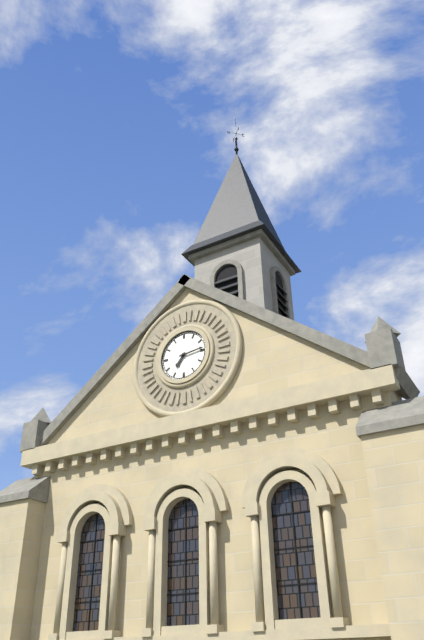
7:14
